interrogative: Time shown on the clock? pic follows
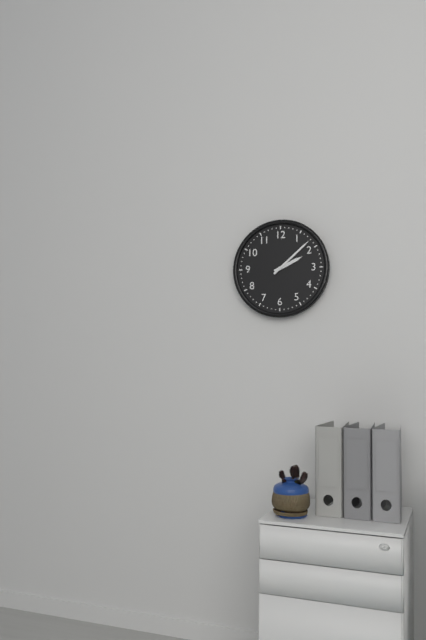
2:08
